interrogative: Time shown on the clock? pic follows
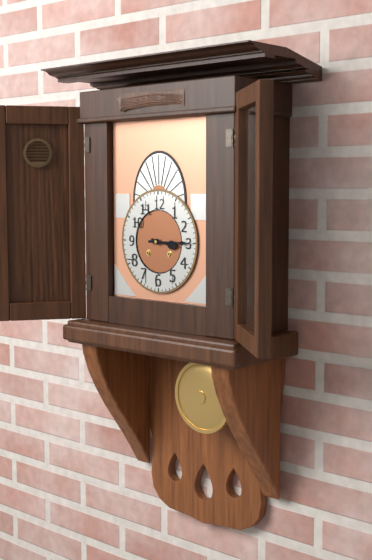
3:15
